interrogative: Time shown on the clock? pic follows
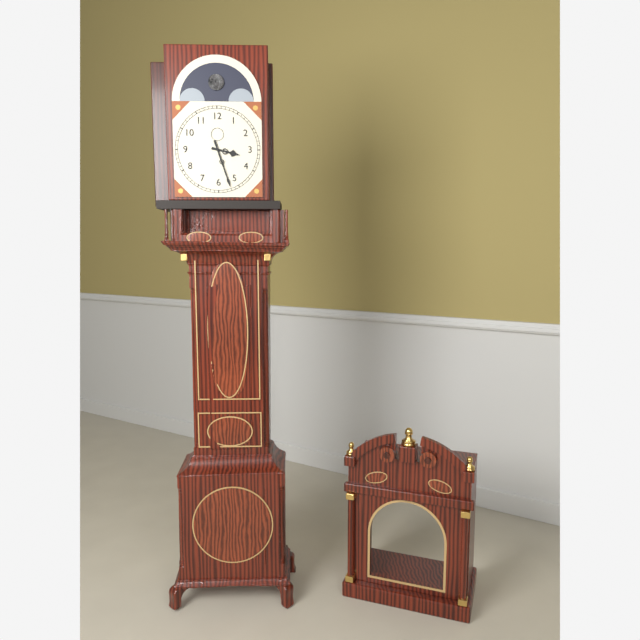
3:27
